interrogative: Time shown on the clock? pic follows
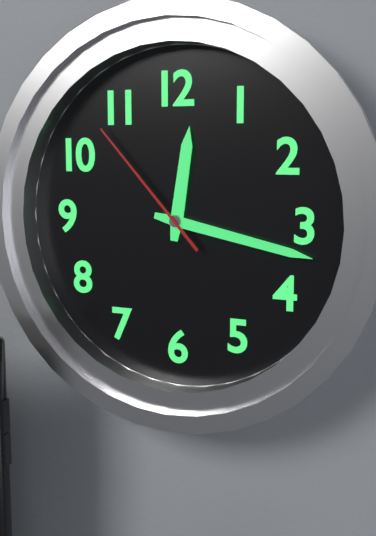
12:17:53
